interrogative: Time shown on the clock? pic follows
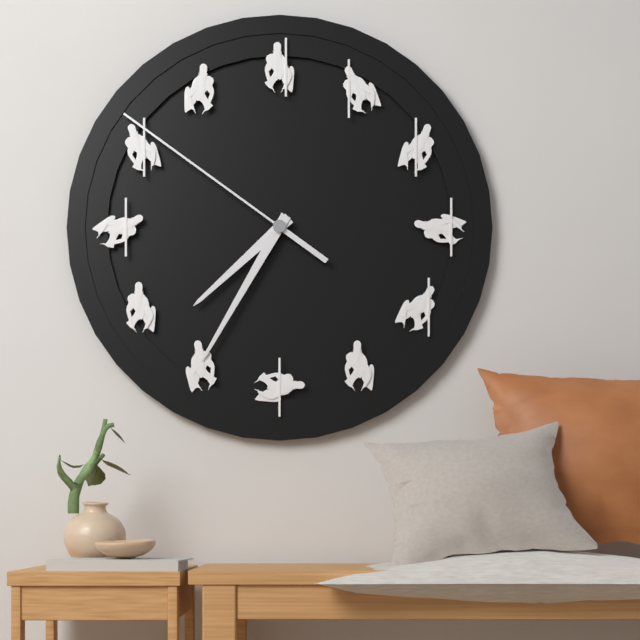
7:35:51
